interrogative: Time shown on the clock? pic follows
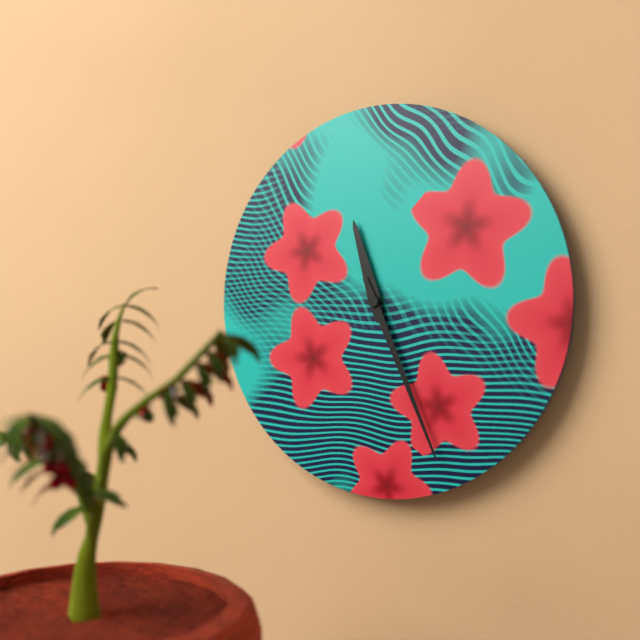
11:26
